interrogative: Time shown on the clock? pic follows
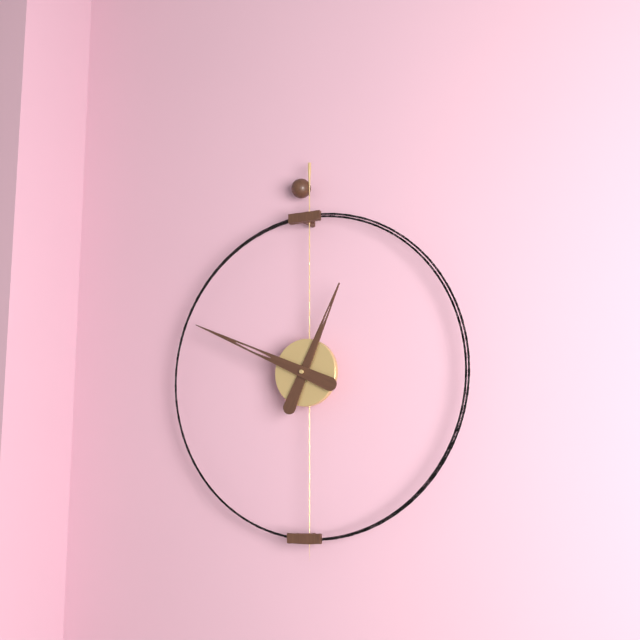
12:49
